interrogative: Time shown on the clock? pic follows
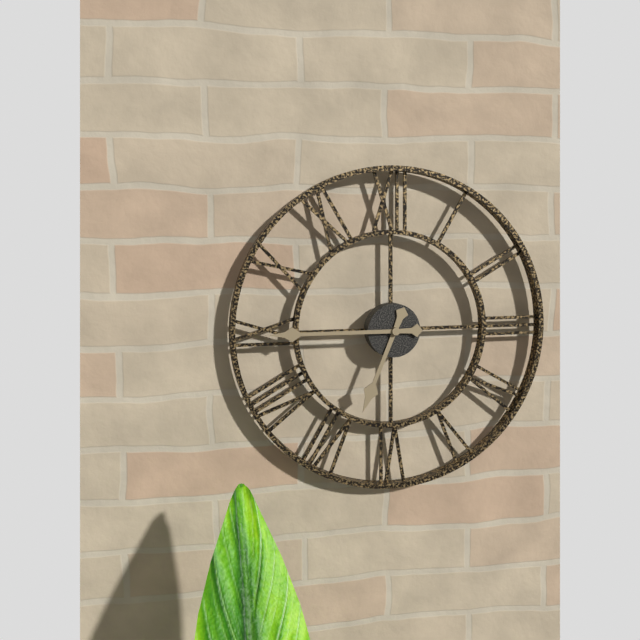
6:45
